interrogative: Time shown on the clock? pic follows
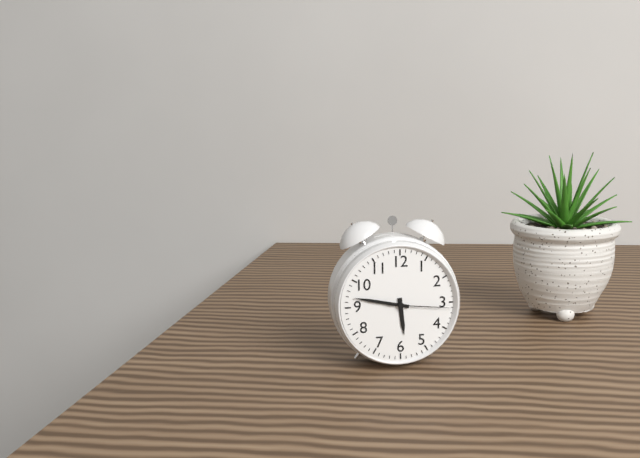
5:47:16
